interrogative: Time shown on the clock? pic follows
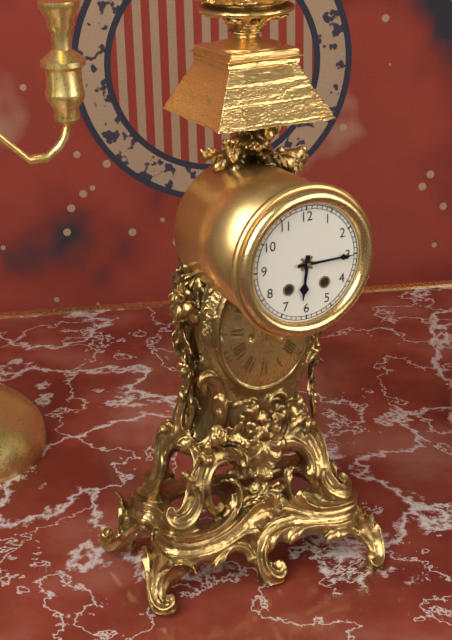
6:15
